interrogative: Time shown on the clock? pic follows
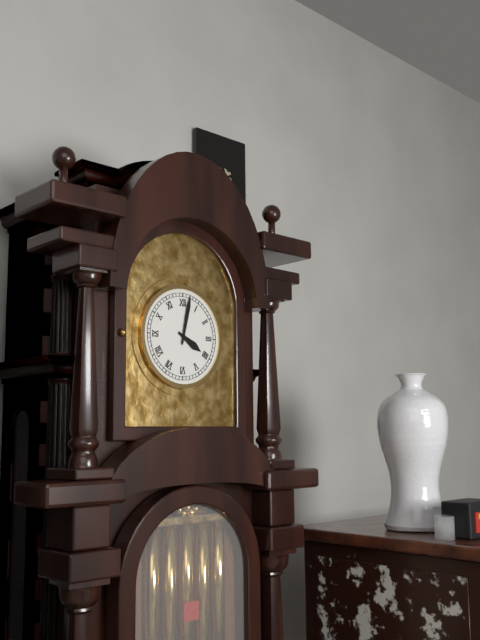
4:02
